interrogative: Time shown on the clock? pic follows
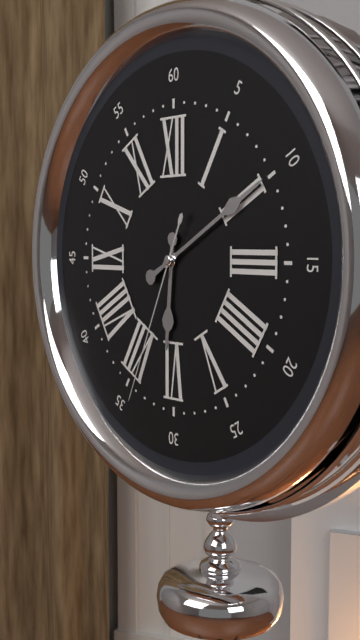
6:10:34
